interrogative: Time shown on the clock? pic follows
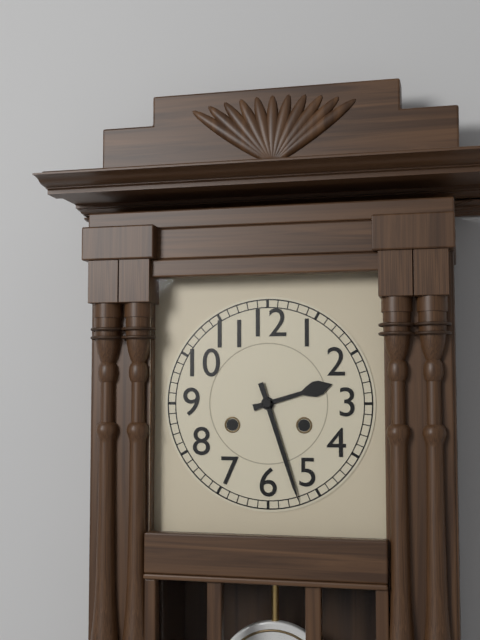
2:27
